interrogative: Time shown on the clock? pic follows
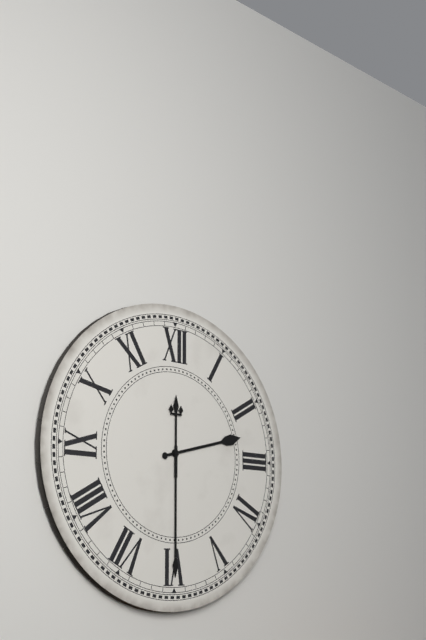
2:30
